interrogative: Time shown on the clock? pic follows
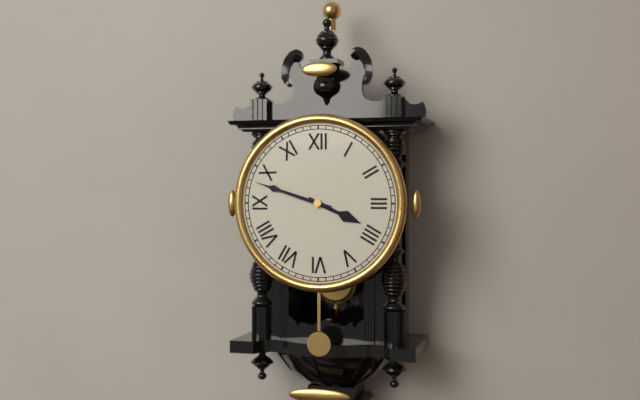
3:48
